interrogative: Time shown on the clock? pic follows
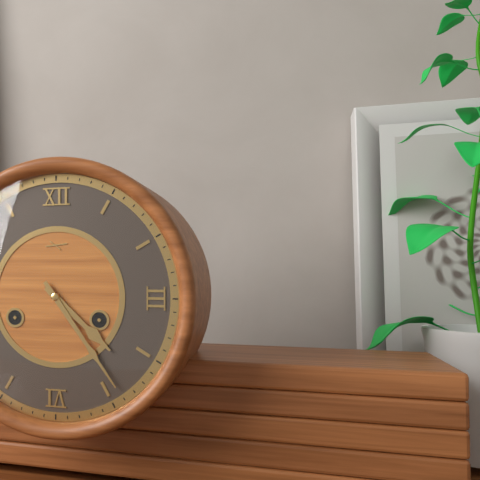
4:24
